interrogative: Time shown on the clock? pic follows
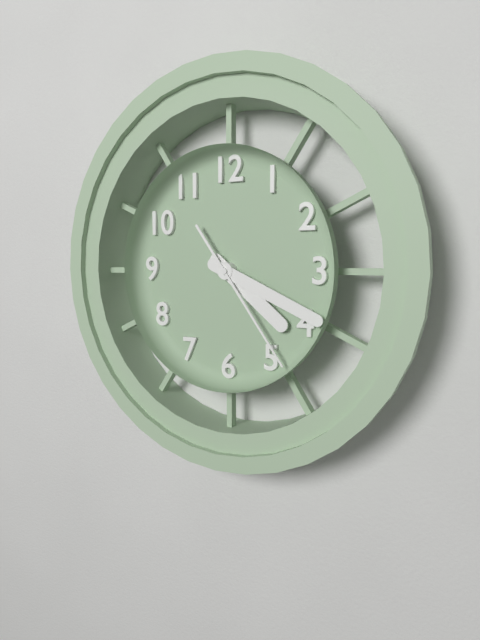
4:19:24
